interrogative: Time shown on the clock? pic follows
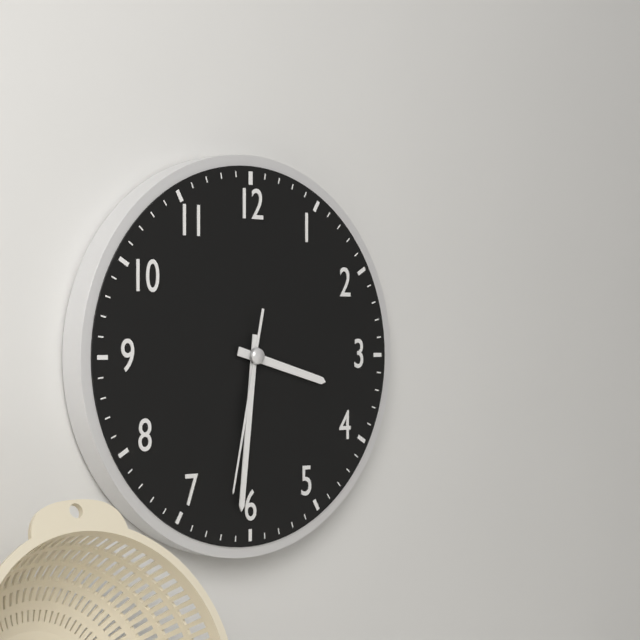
3:31:32
